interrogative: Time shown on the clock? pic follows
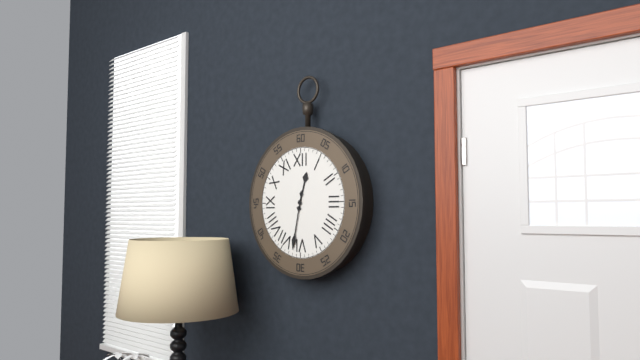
12:32
